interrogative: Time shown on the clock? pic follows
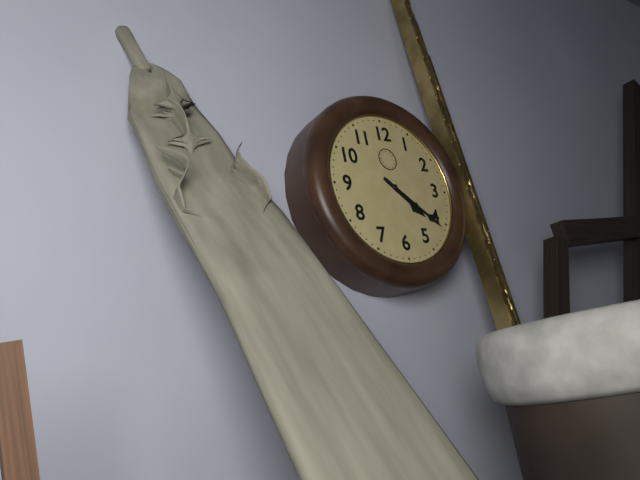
4:21
